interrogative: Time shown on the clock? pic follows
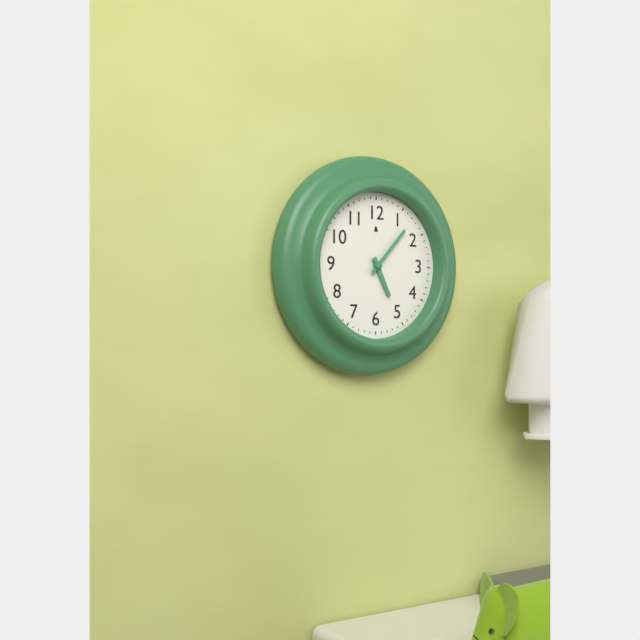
5:07
